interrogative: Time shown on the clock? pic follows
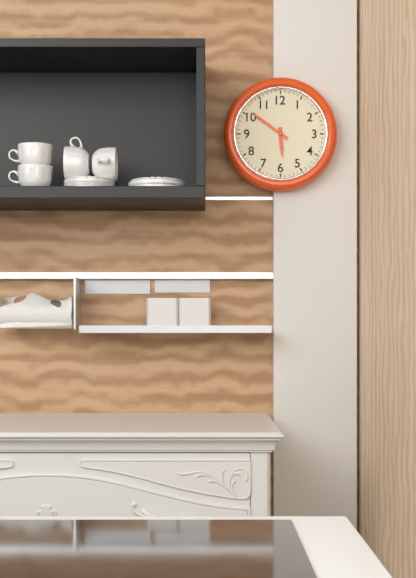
5:51
